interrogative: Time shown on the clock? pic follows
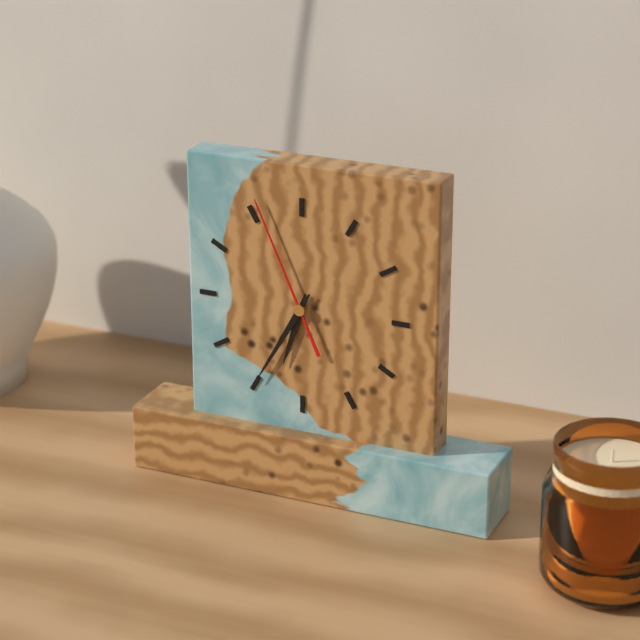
6:35:56
